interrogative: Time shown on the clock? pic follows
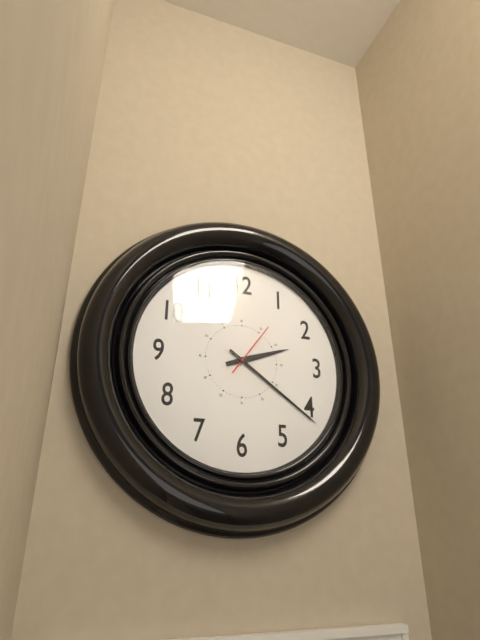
2:21:06
